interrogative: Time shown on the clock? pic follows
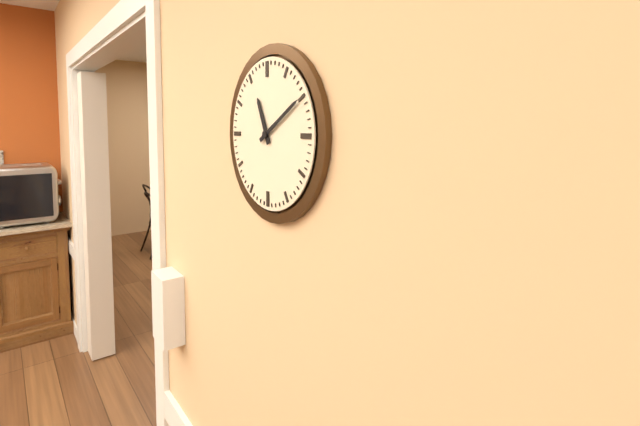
11:10
